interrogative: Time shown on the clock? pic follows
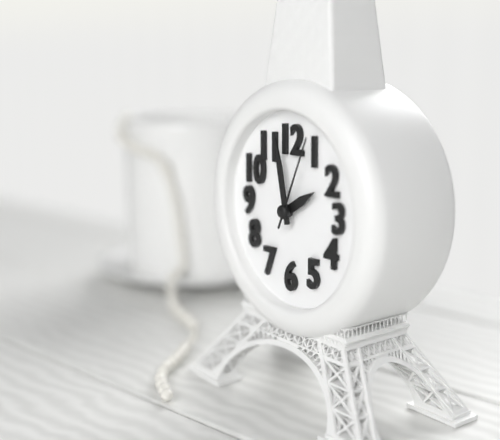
1:58:04
